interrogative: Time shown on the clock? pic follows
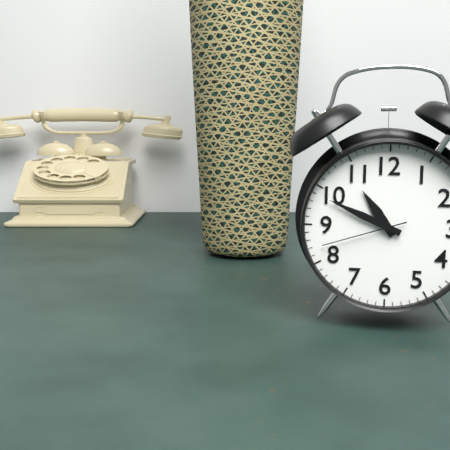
10:49:42
